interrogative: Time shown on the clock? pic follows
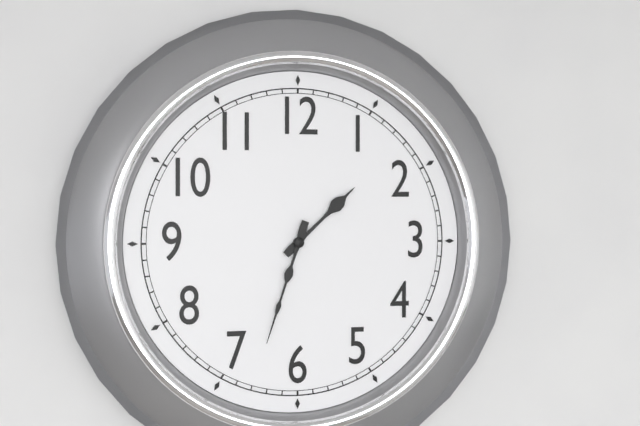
1:33
